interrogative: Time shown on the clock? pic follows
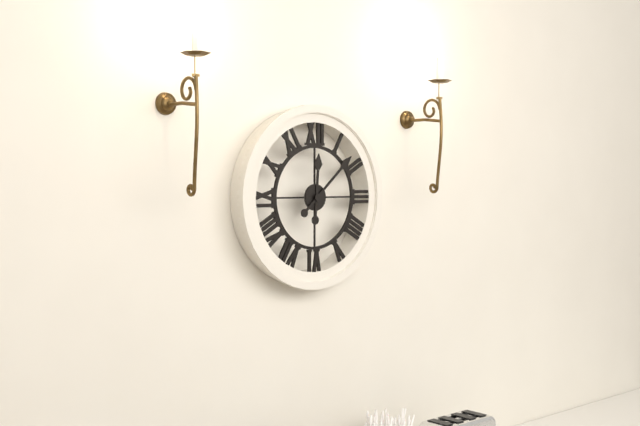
12:08
